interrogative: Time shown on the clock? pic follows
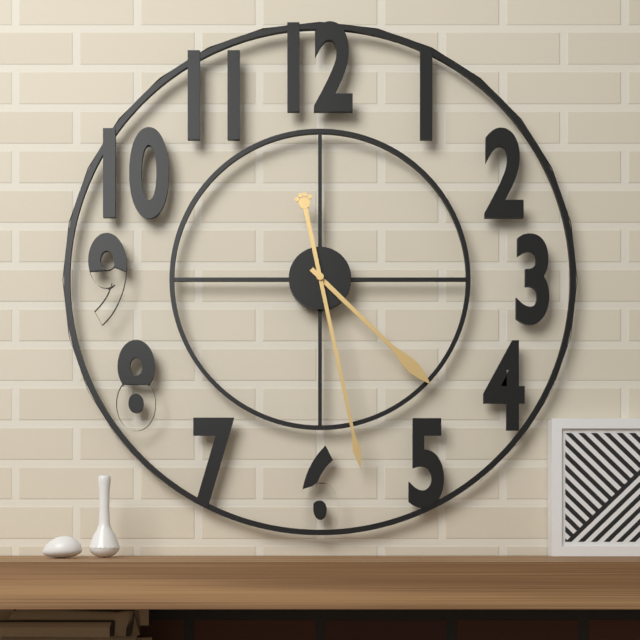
4:28
